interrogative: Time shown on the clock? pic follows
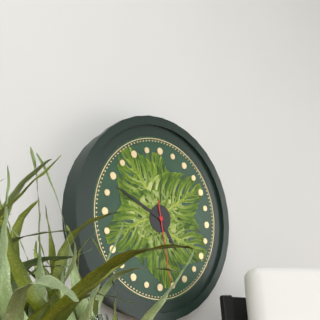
4:49:28
